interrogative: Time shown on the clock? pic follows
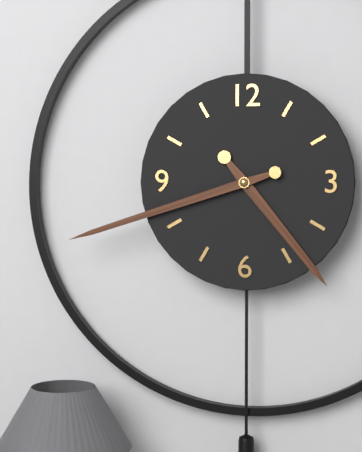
4:42
